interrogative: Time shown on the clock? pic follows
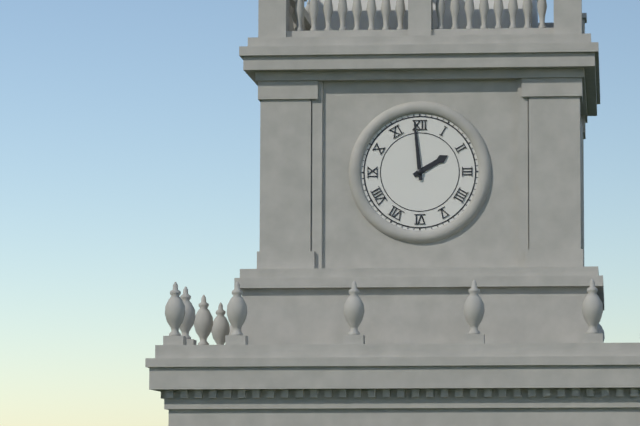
1:59
